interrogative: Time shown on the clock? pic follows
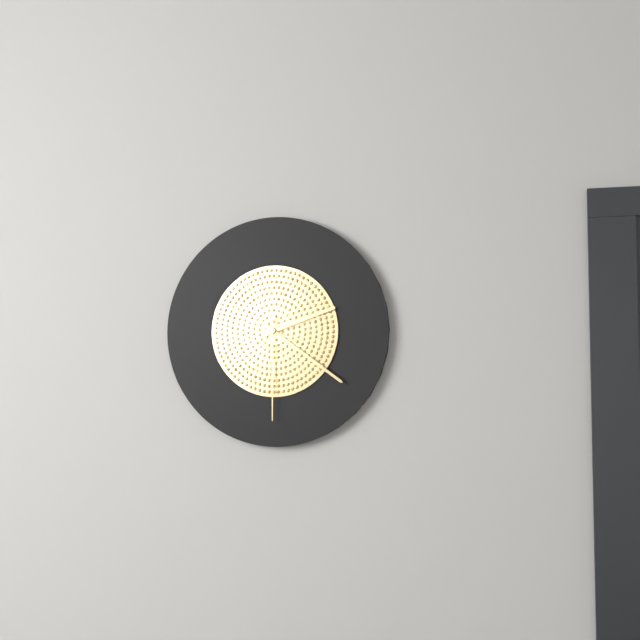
2:21:30
